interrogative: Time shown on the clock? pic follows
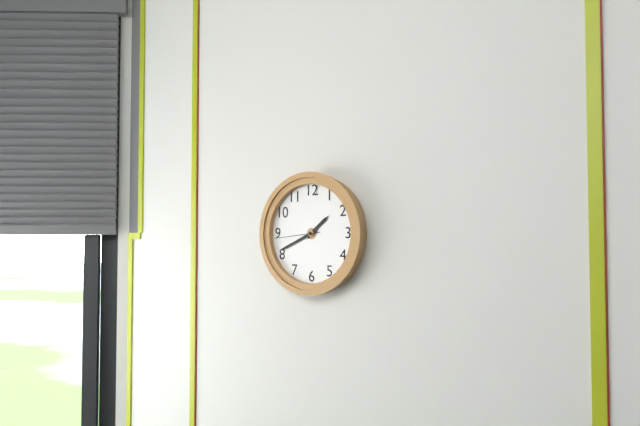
1:41
